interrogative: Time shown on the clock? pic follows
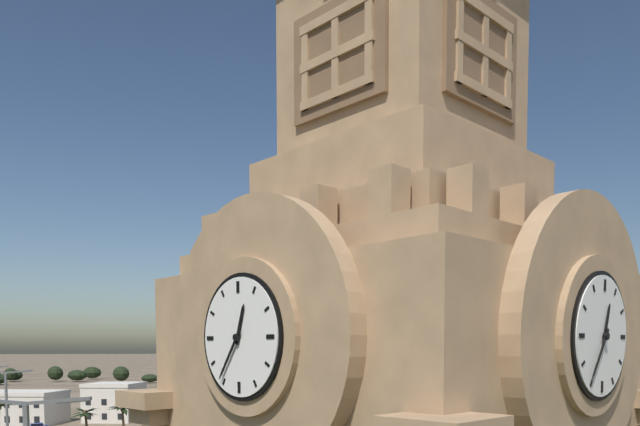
12:36
